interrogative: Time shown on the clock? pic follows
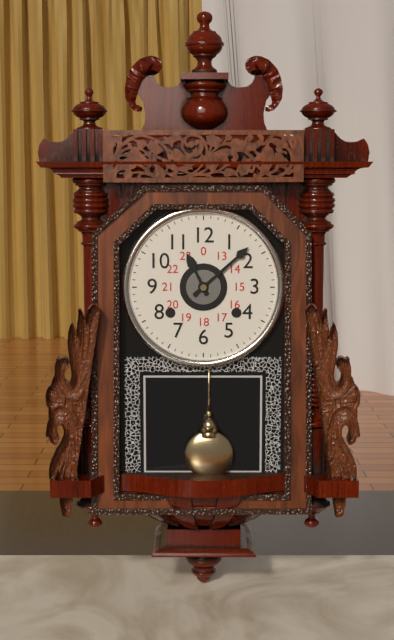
11:08
